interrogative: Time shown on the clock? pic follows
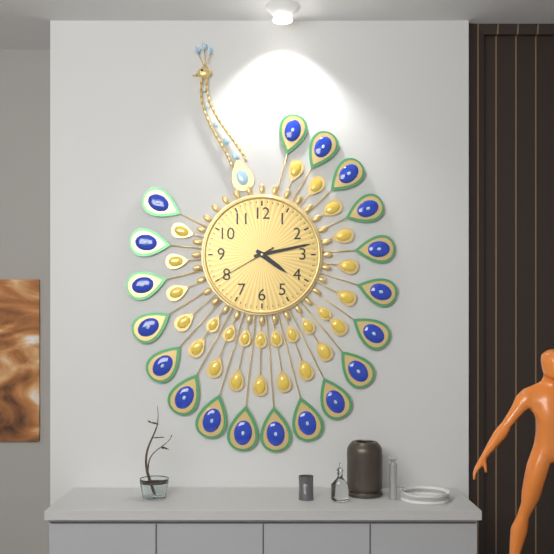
4:13:40
